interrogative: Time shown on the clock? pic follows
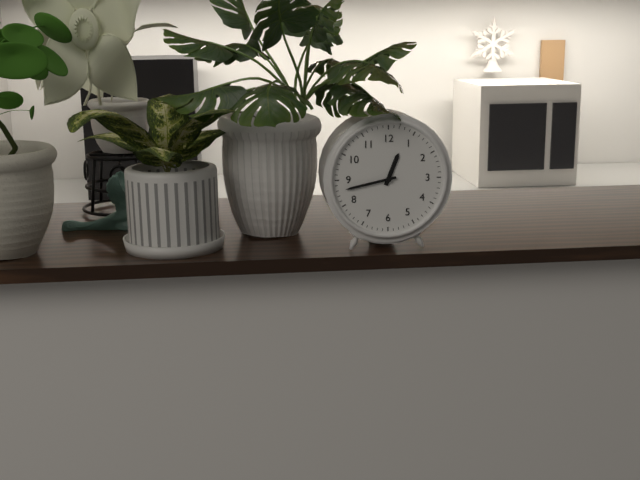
12:43
